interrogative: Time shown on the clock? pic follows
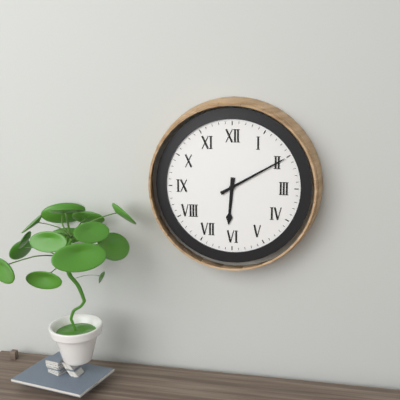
6:10
